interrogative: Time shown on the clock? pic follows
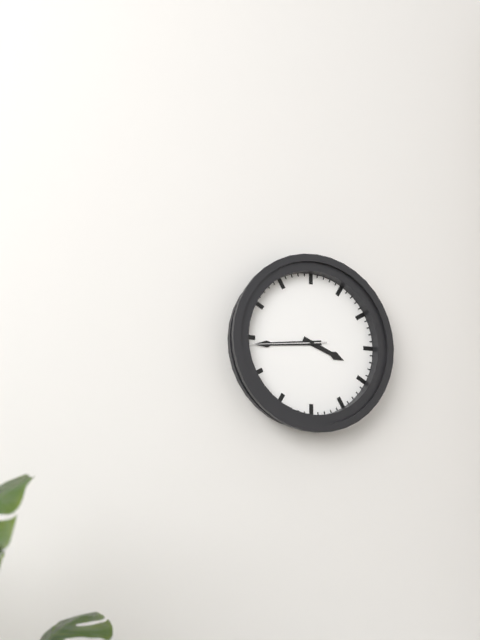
3:44:44
